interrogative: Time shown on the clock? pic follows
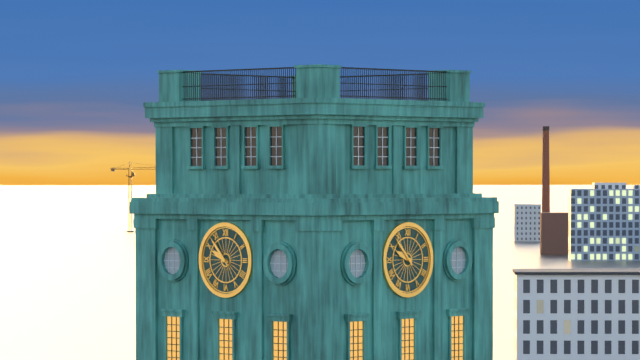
9:53
